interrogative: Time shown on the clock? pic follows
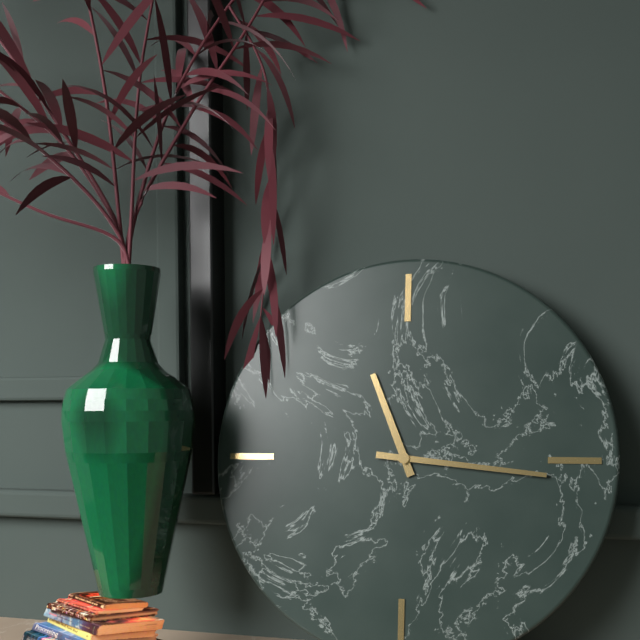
11:16
